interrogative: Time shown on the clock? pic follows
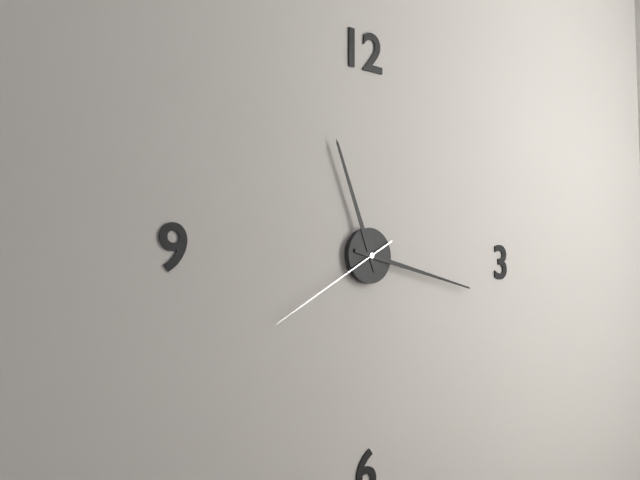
11:17:40
